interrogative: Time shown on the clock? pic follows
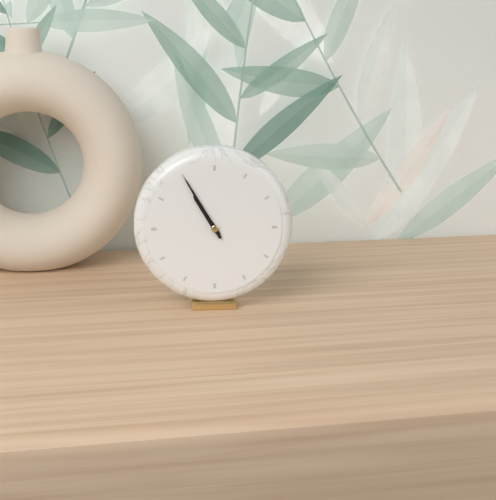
10:55
